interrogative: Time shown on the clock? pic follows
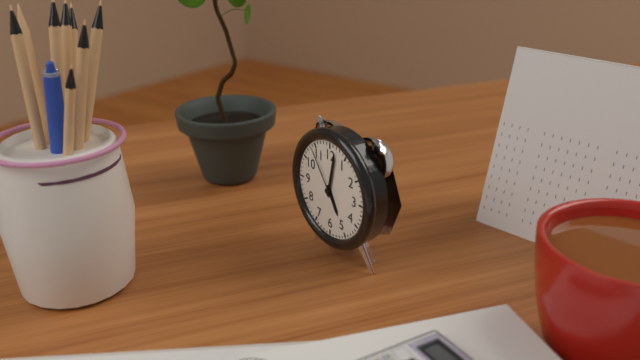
5:02:54
